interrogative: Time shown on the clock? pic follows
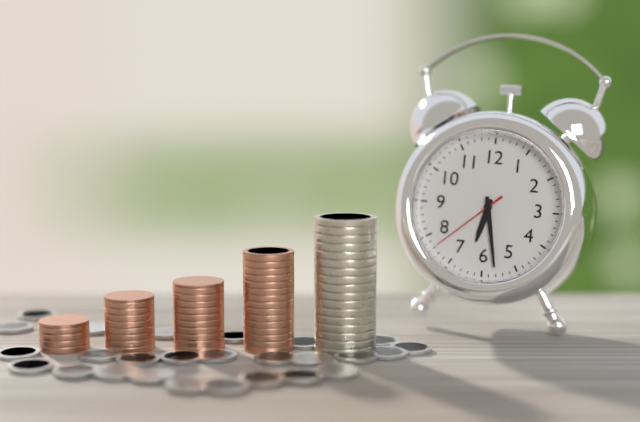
6:28:38
